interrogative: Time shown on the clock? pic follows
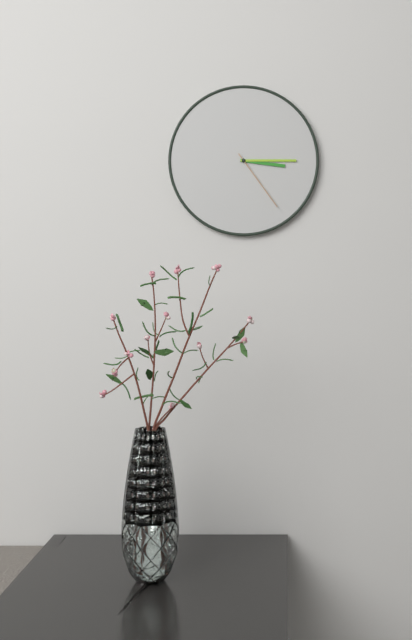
3:15:24
